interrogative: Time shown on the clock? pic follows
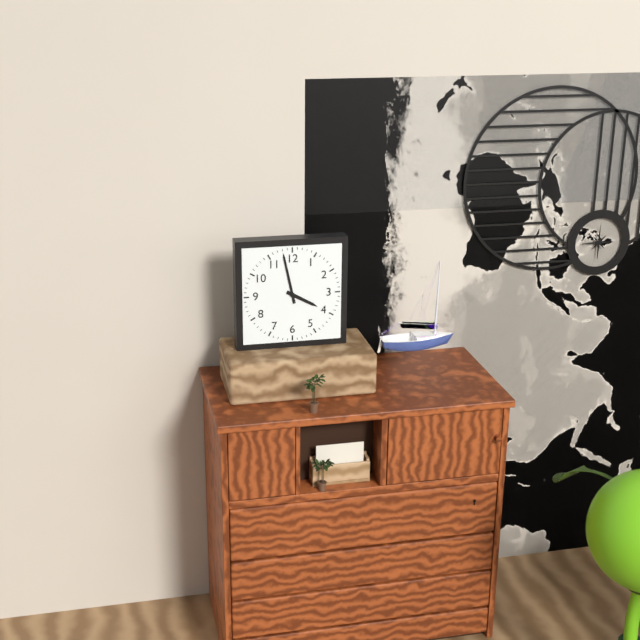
3:58
